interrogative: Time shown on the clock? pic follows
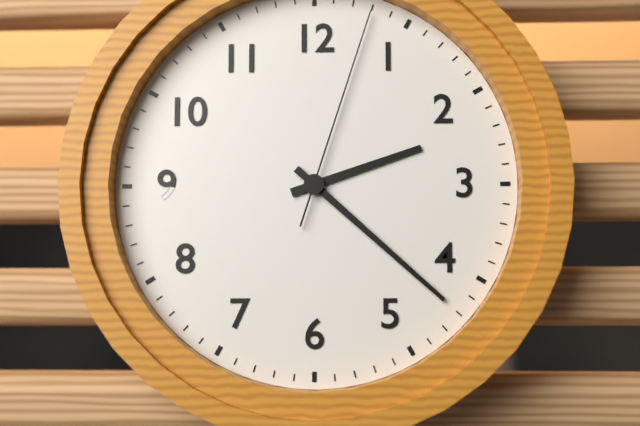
2:22:03
